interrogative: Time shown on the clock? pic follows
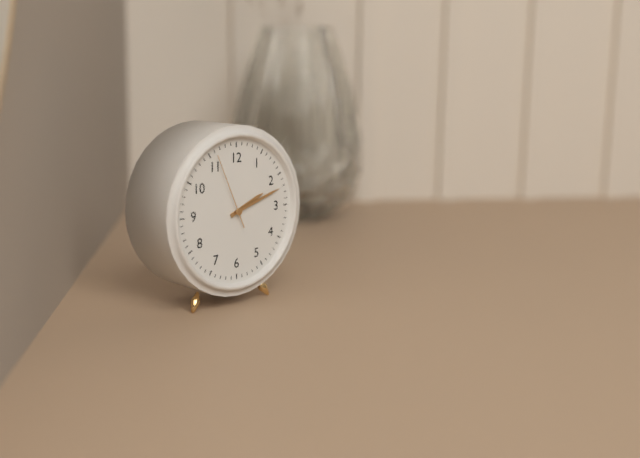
2:12:56
